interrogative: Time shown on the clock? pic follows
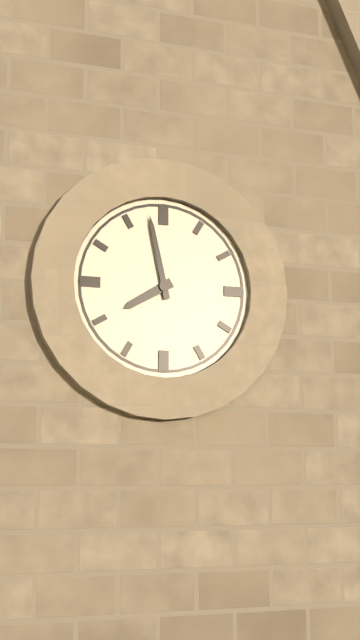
7:58
